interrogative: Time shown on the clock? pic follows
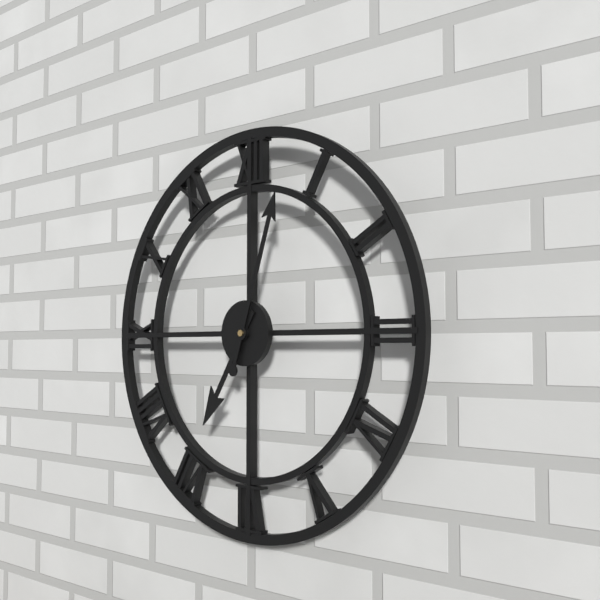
7:03
